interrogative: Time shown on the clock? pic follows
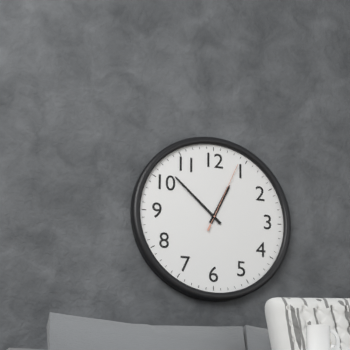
12:52:04
